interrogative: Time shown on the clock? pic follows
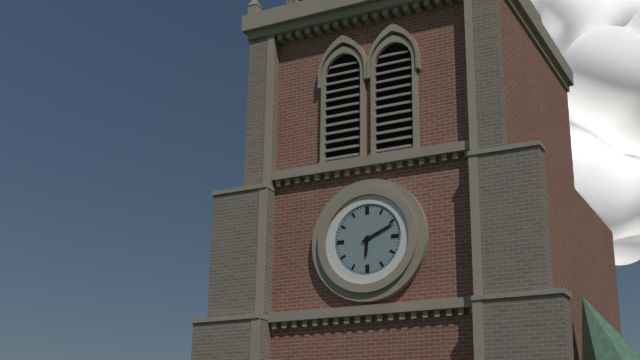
6:11
